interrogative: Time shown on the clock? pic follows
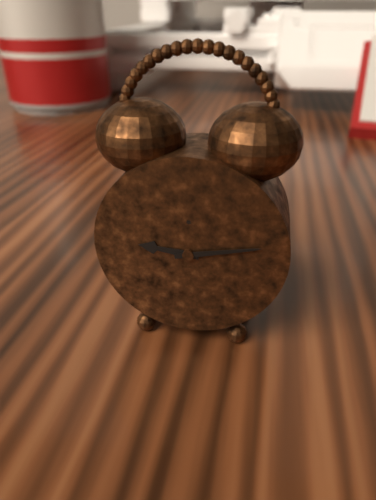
9:13
